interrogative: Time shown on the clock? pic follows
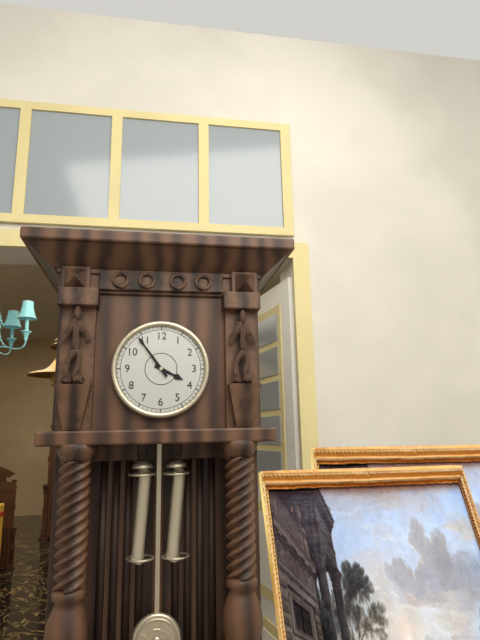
3:54
